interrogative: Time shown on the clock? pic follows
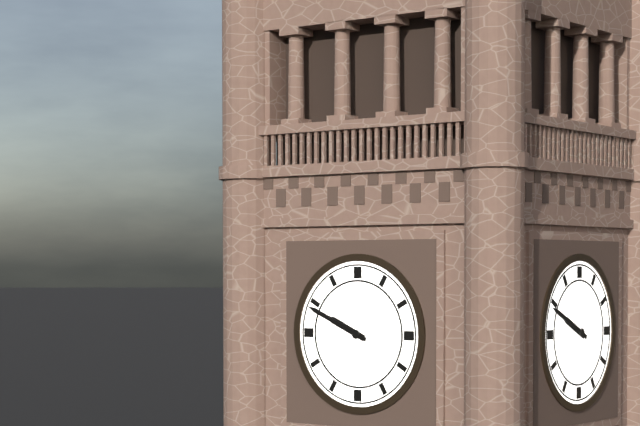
9:49
